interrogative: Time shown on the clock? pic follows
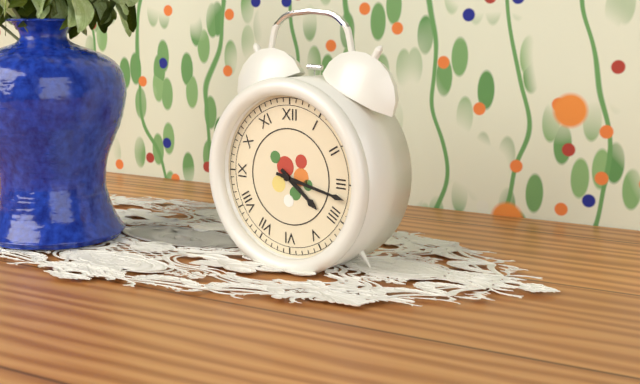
4:17
